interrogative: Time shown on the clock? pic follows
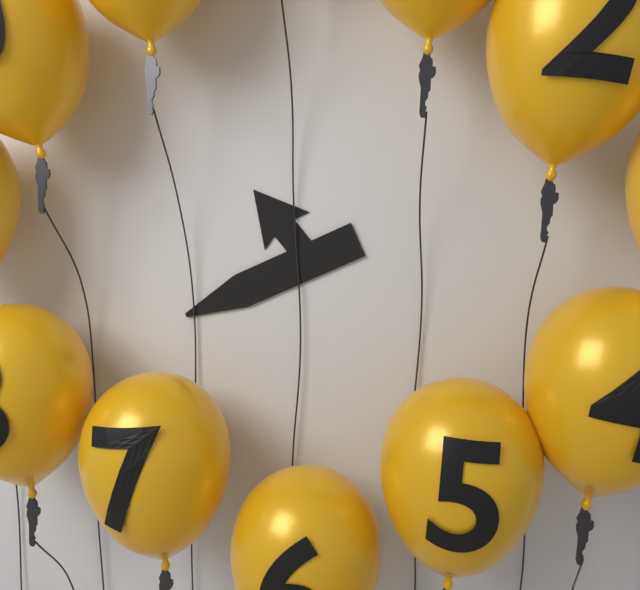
10:41
